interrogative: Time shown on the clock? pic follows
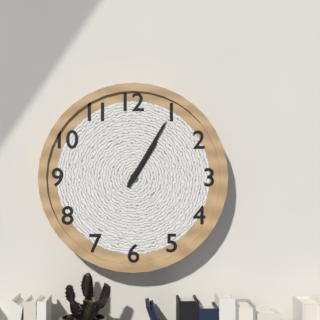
1:05
